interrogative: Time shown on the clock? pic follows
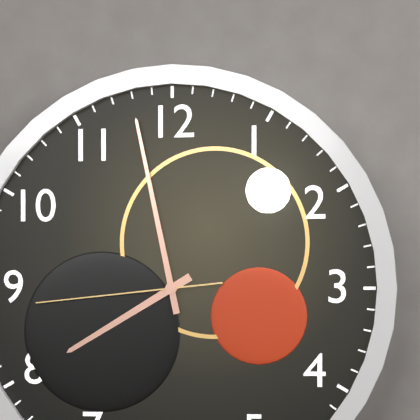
7:58:44
